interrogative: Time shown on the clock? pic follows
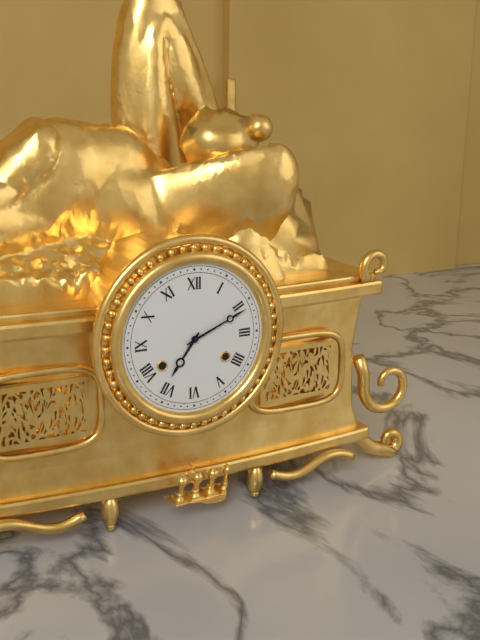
7:11
